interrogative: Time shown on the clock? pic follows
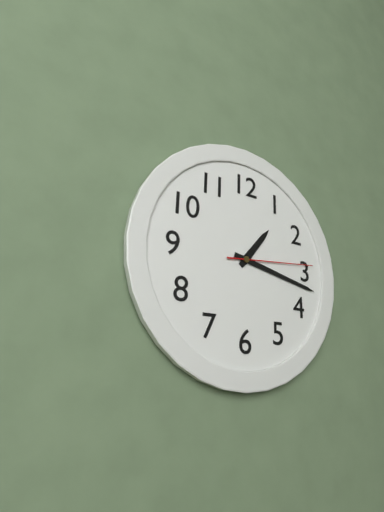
1:17:14
